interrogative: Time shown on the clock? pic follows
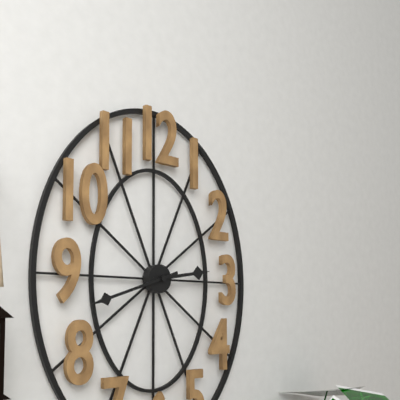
2:42
